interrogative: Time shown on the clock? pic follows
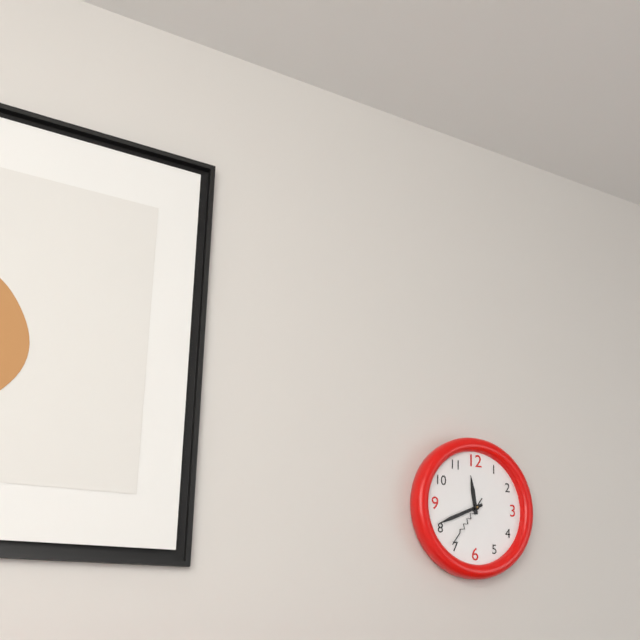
11:41:36
